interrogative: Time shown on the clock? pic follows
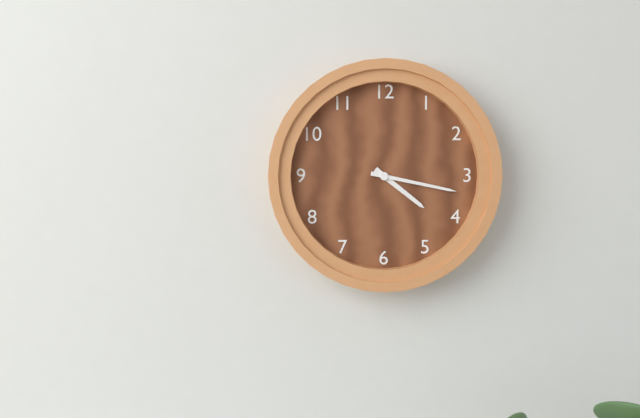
4:17
